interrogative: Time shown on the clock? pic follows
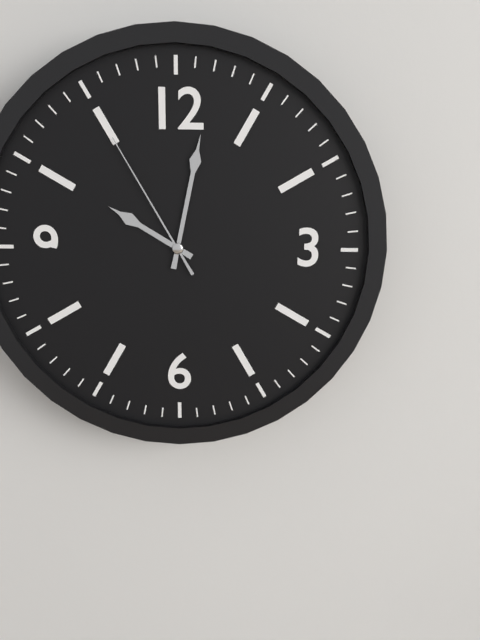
10:02:55
